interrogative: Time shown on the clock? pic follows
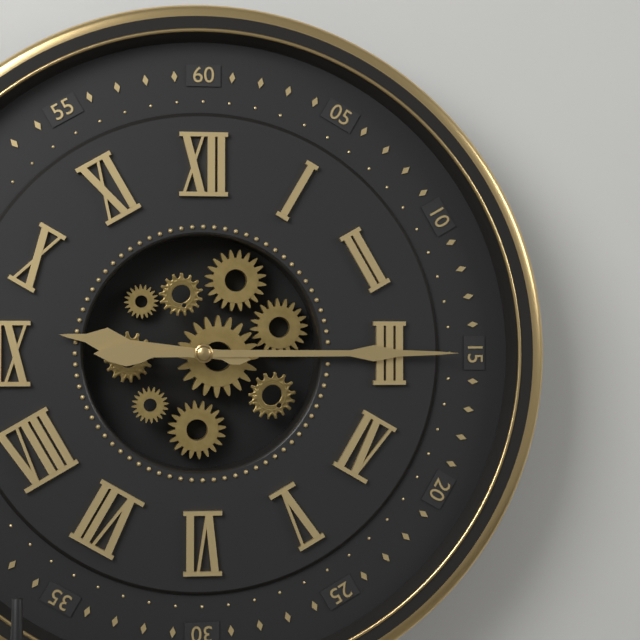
9:15
